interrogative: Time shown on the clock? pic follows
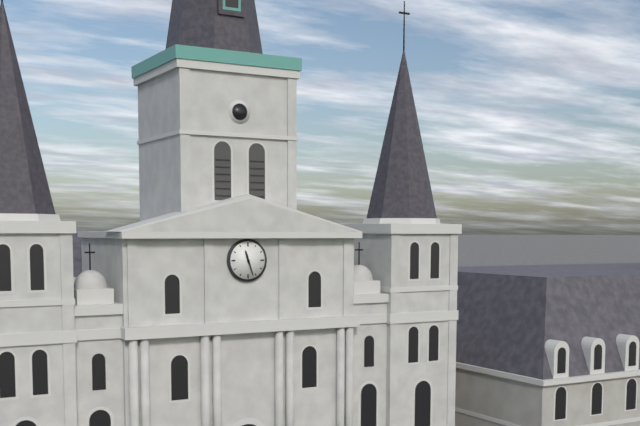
11:27
